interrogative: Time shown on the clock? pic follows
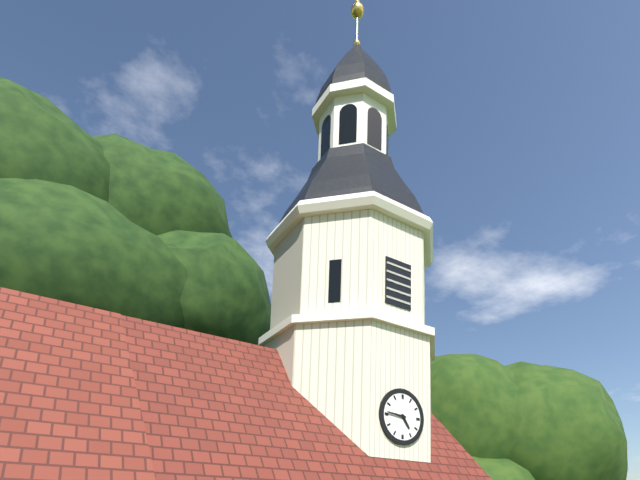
4:46
